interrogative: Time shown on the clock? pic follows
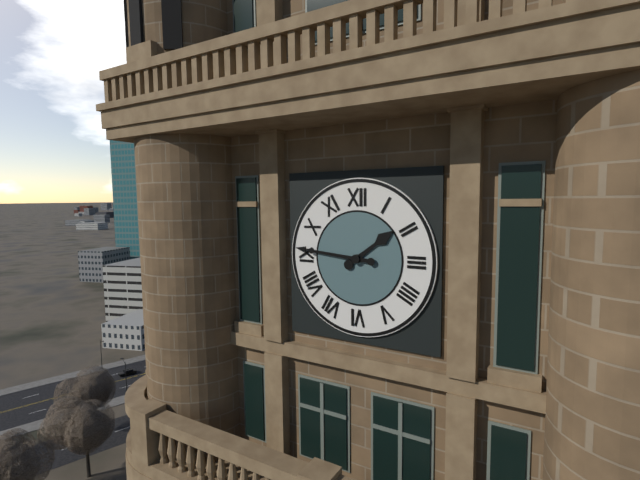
1:46
